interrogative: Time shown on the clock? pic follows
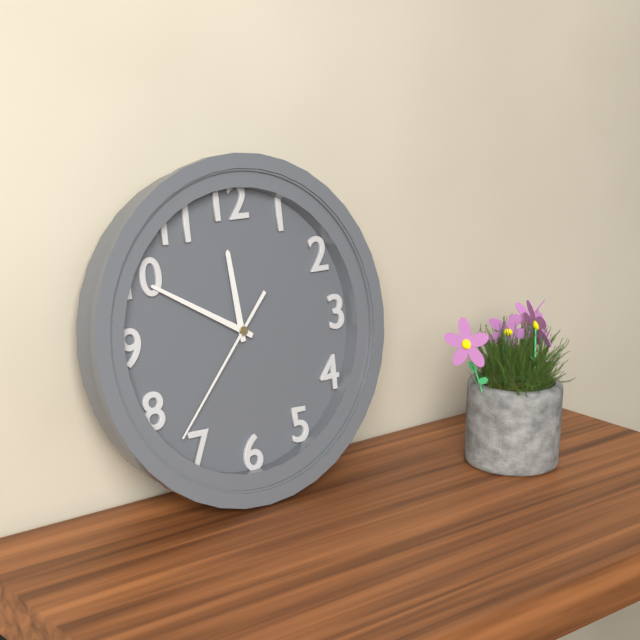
11:50:37
